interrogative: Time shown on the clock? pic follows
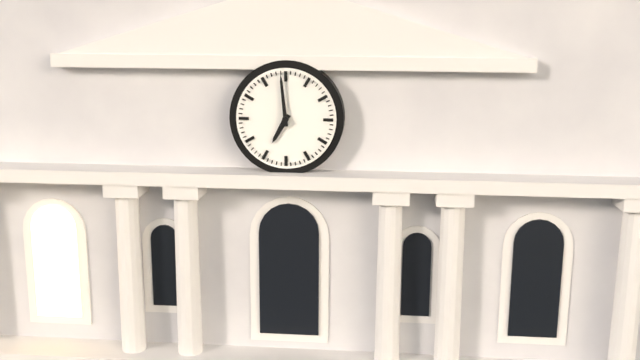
6:59
